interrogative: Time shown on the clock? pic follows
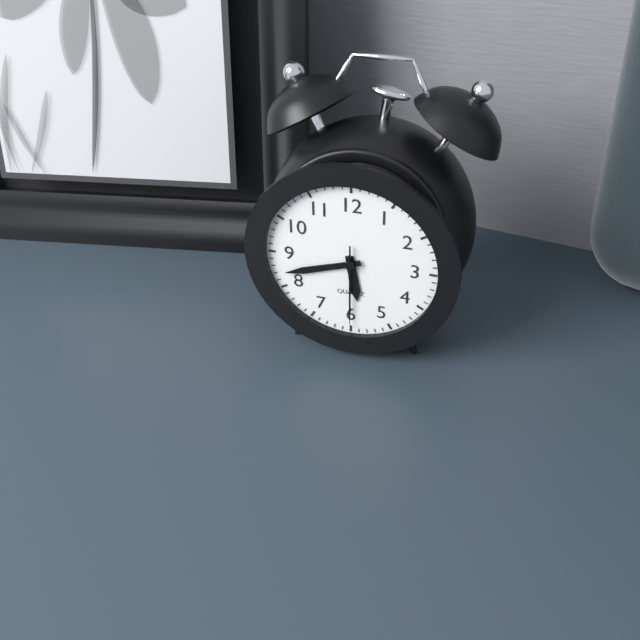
5:42:30
